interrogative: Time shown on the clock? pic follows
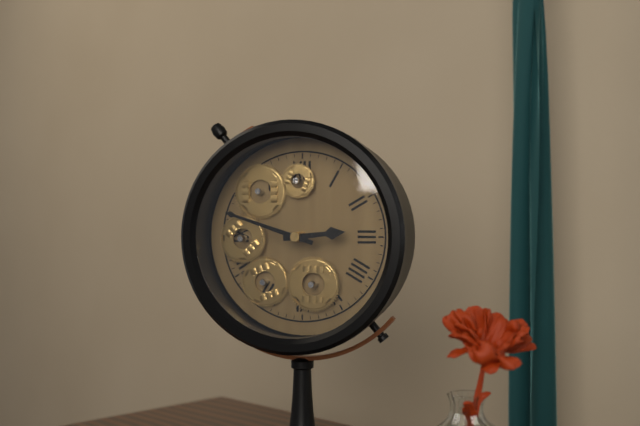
2:48
